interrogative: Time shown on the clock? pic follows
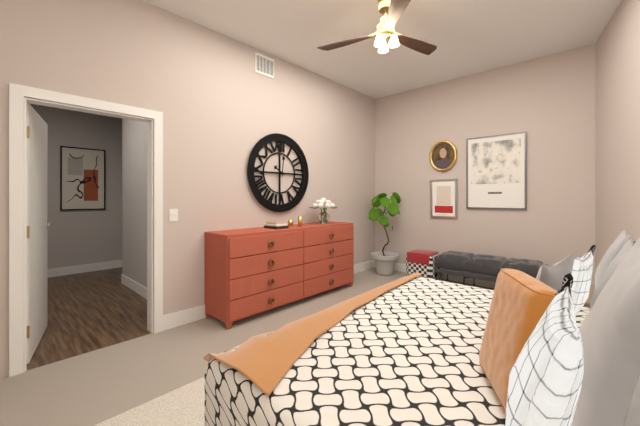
10:01
